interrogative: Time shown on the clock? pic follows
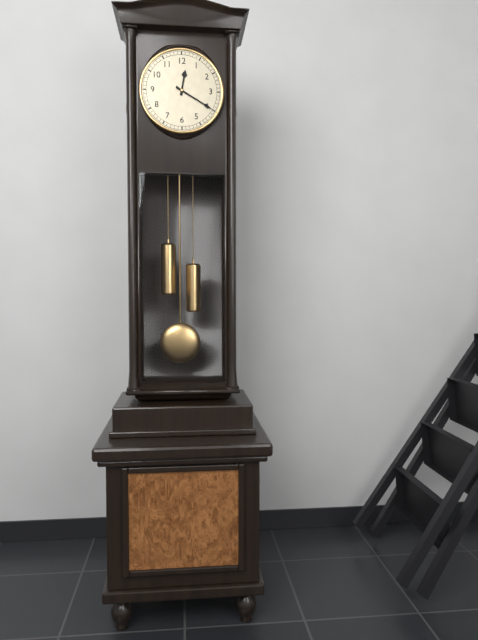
12:20
